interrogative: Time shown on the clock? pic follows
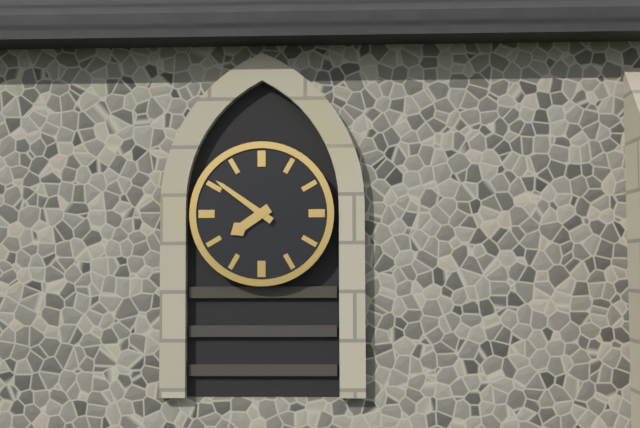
7:51
